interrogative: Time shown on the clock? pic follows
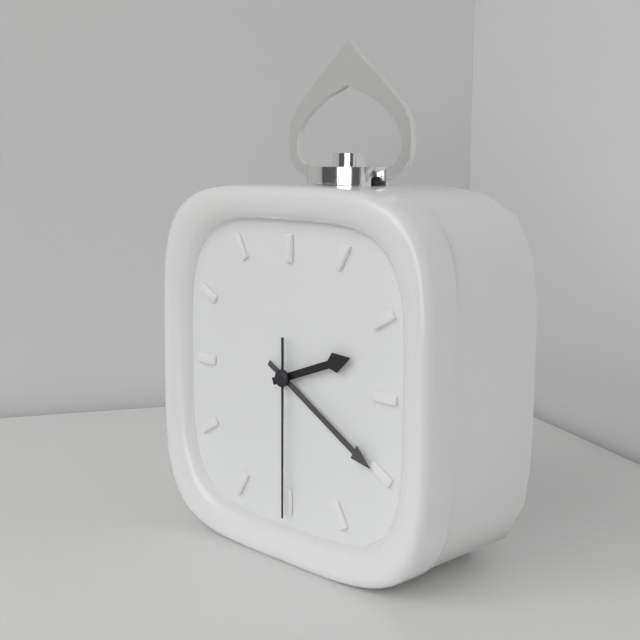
2:20:30
